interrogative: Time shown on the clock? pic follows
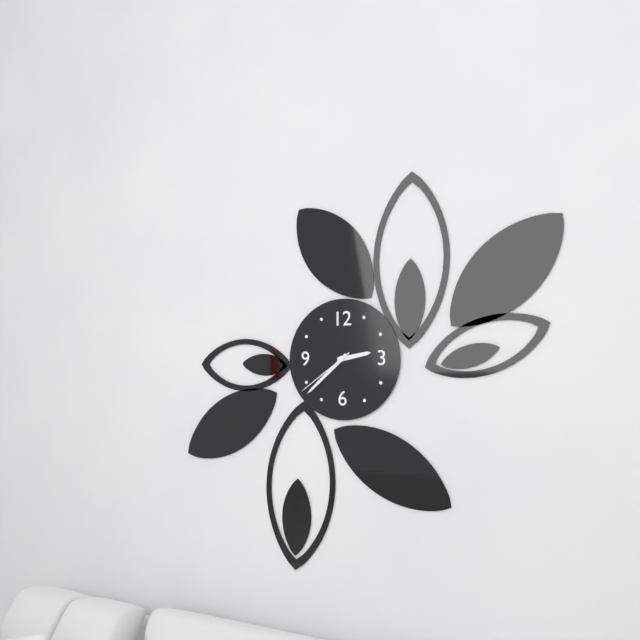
2:38:39
